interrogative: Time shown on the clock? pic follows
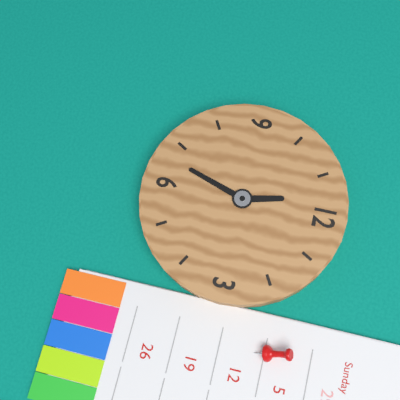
11:33
